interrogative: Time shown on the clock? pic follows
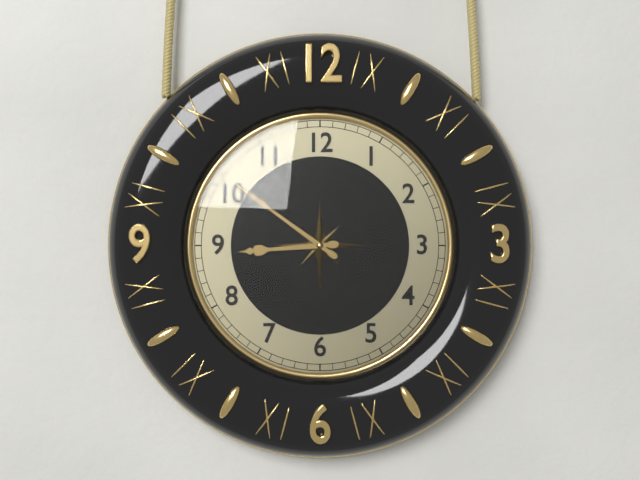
8:51
